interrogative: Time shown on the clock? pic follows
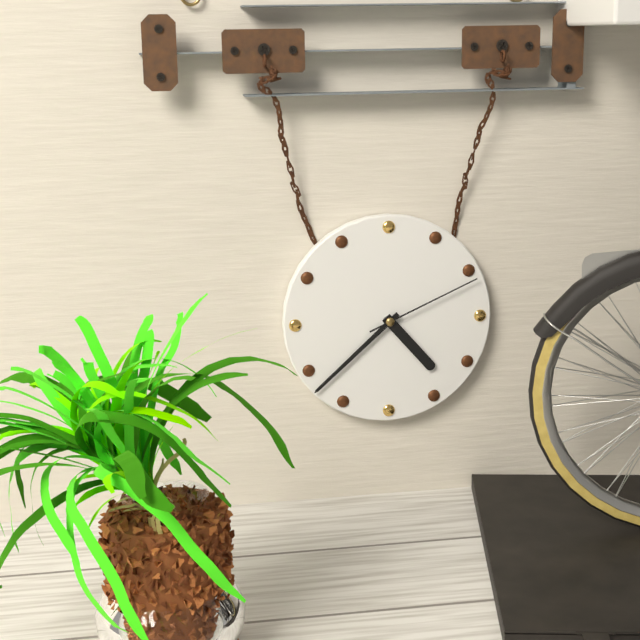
4:38:11
